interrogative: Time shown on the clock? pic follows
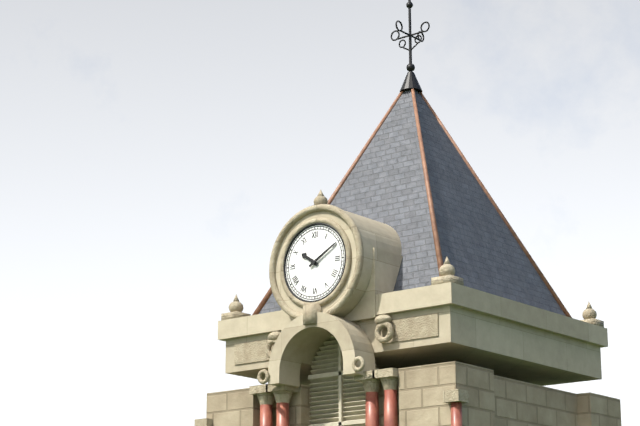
10:10
